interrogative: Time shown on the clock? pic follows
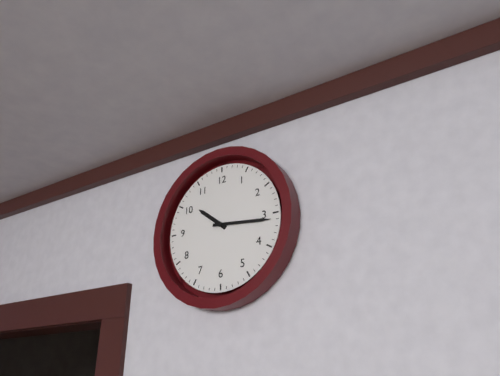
10:16
